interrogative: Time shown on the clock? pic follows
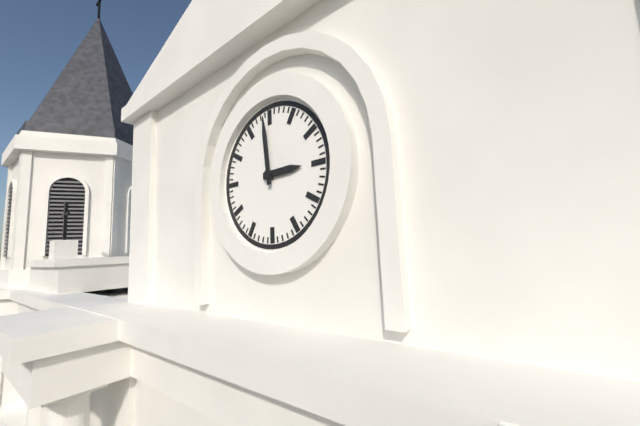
2:59
